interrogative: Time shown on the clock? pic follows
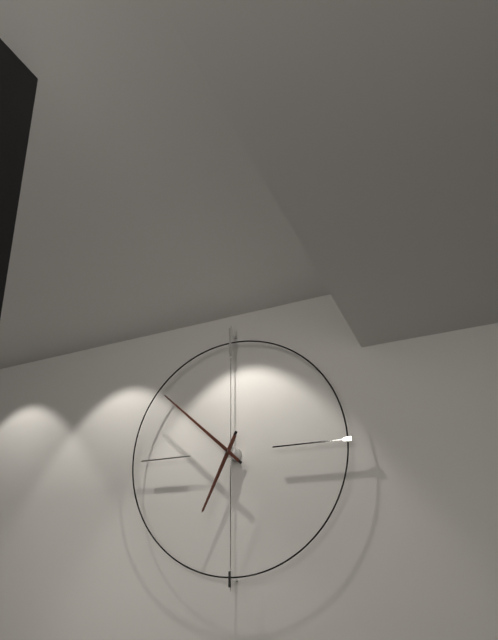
6:52
